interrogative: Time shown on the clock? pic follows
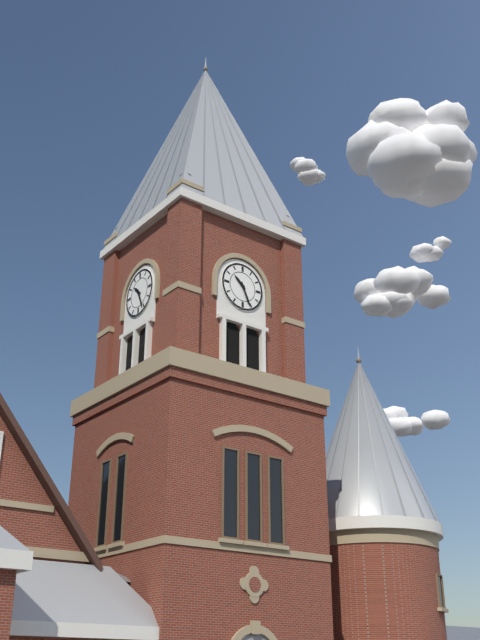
10:26
